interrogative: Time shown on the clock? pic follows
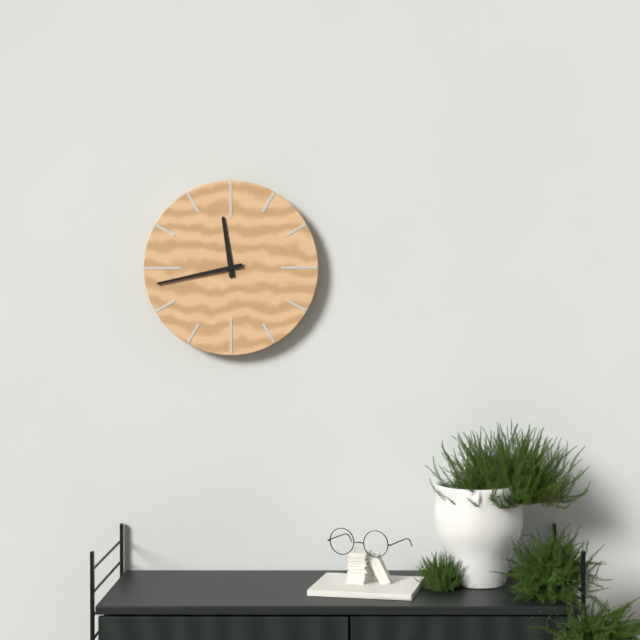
11:43
